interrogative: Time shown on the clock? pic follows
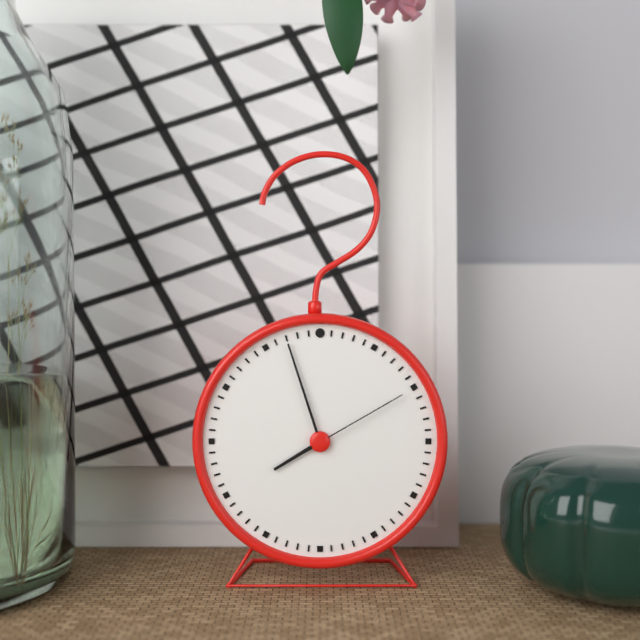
7:57:10
